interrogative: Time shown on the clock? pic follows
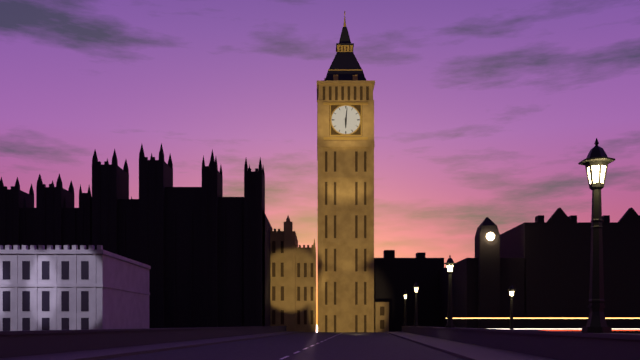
6:01
